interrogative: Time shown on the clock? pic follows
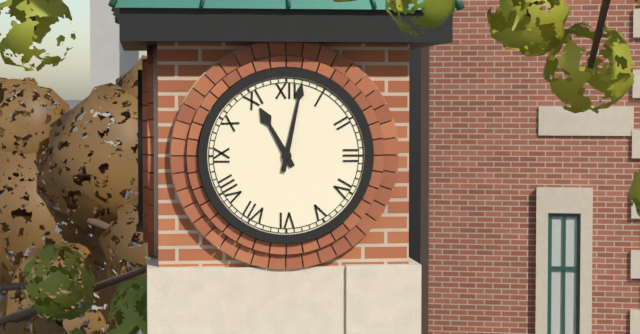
11:02
